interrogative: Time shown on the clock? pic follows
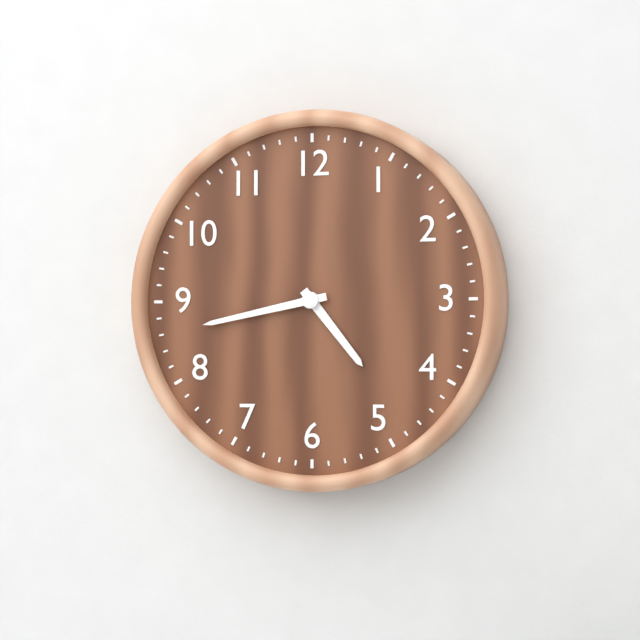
4:43
